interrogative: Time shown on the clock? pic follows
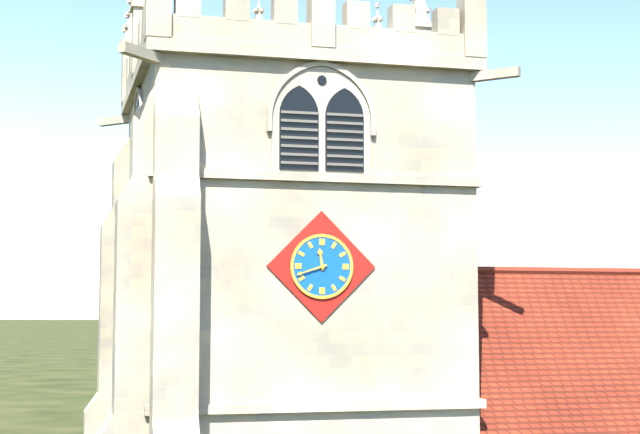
11:42
